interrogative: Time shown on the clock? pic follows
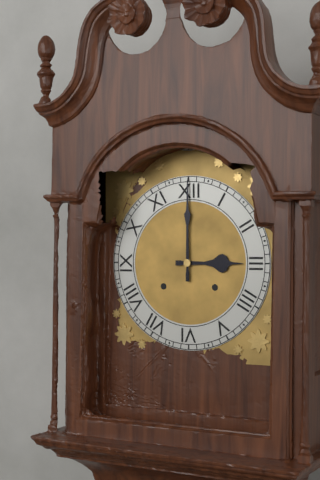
3:00
